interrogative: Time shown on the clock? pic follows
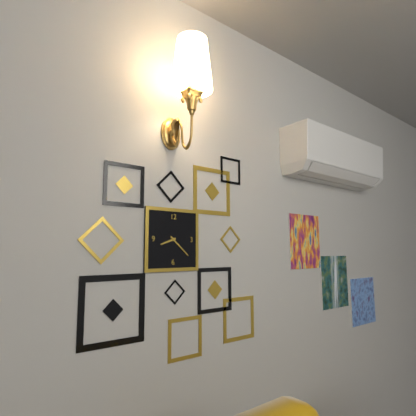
8:22
